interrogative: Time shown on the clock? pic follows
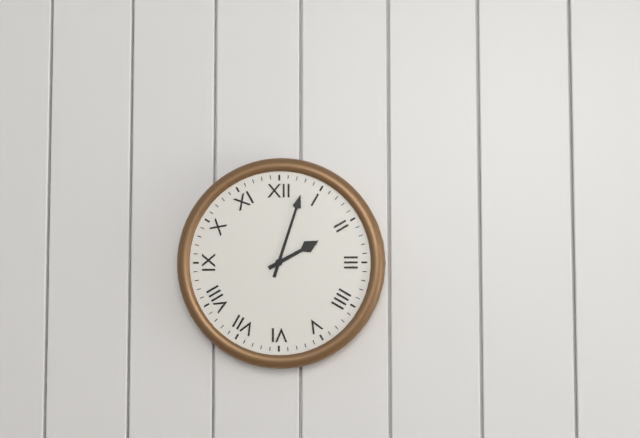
2:03
